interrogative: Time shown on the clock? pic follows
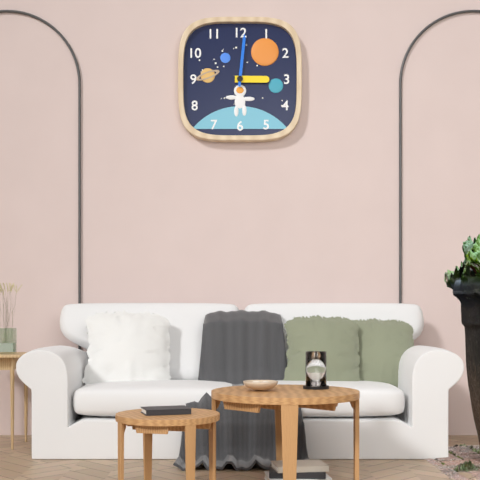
3:01
